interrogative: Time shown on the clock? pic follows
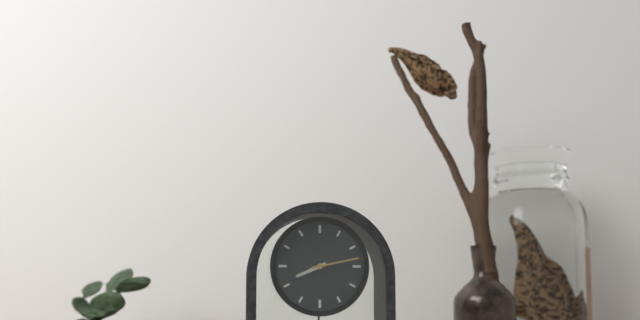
8:13
